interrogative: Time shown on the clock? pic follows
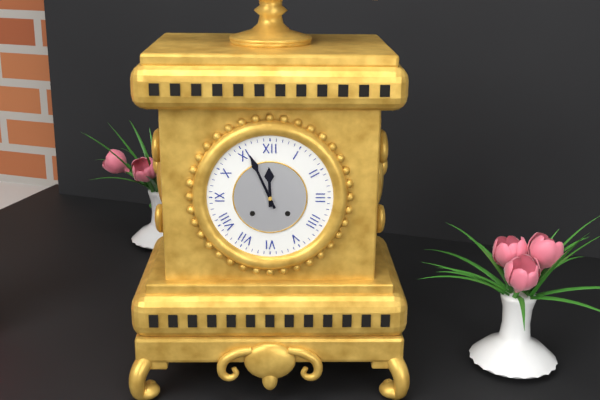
11:56
